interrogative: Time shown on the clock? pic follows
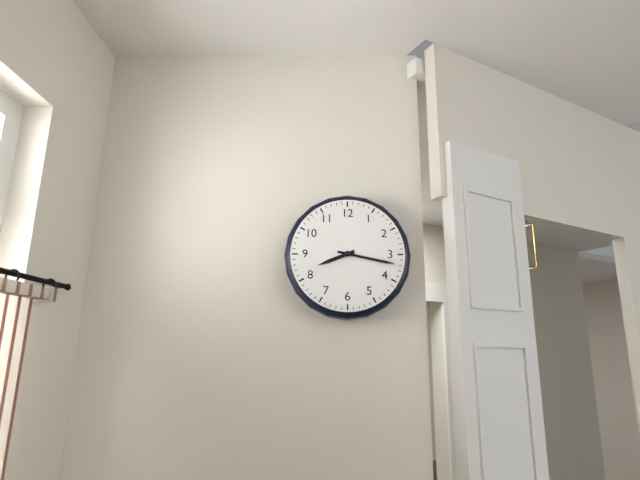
8:17
